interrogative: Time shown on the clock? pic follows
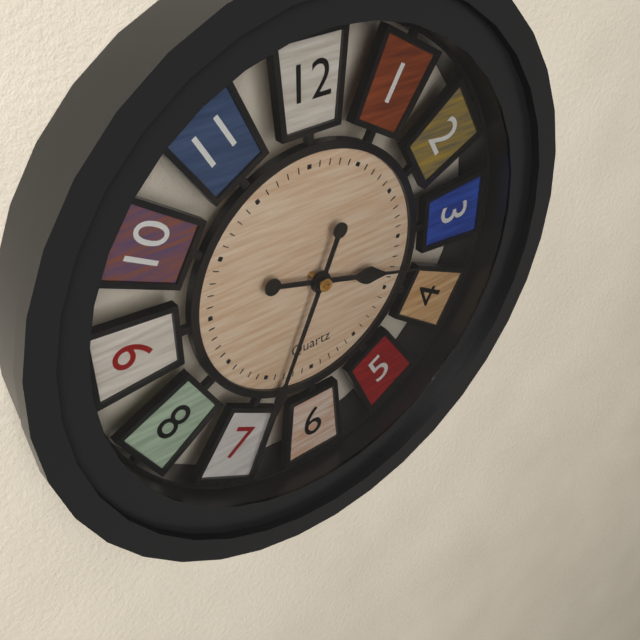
3:34
